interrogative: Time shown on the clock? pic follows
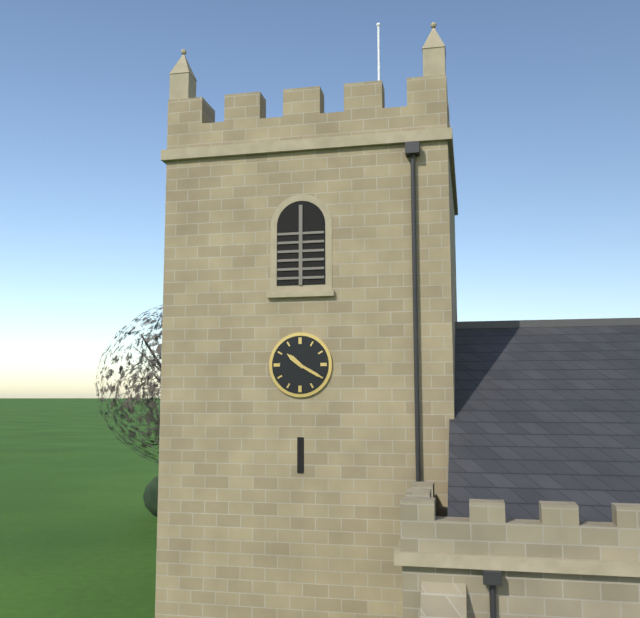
10:20
